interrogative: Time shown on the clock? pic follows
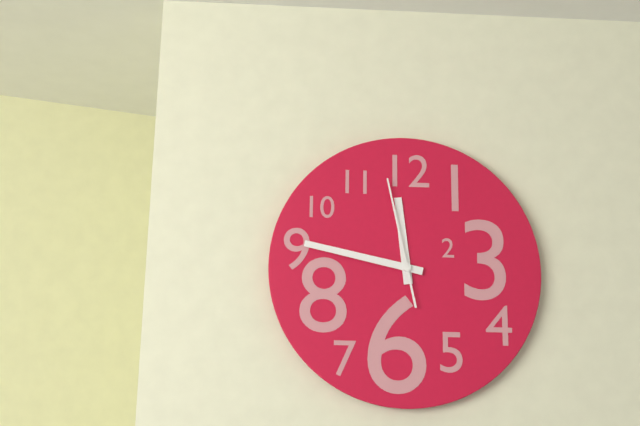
11:47:58
